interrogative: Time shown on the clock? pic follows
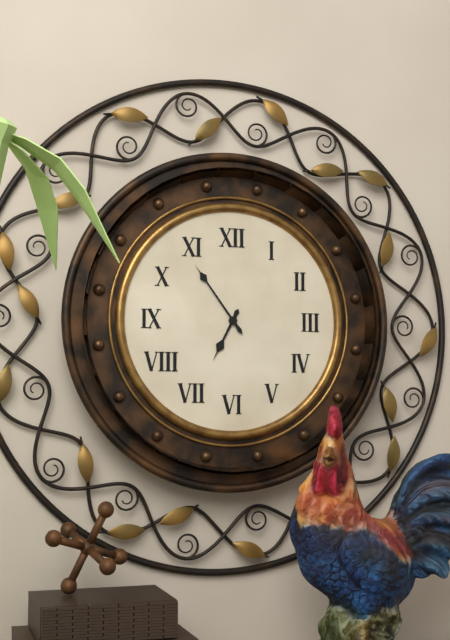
6:54
